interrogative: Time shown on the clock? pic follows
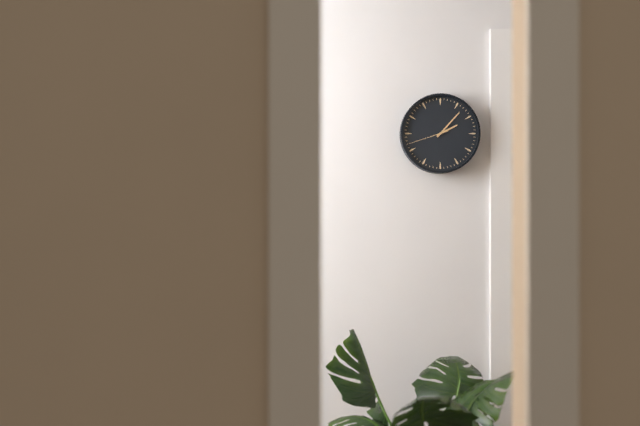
2:07
